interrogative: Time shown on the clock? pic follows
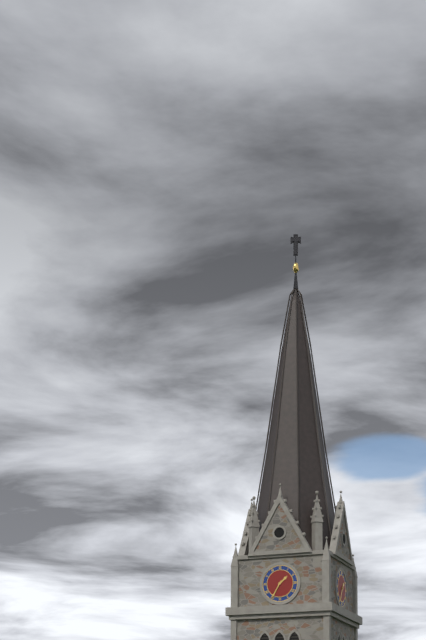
1:35
